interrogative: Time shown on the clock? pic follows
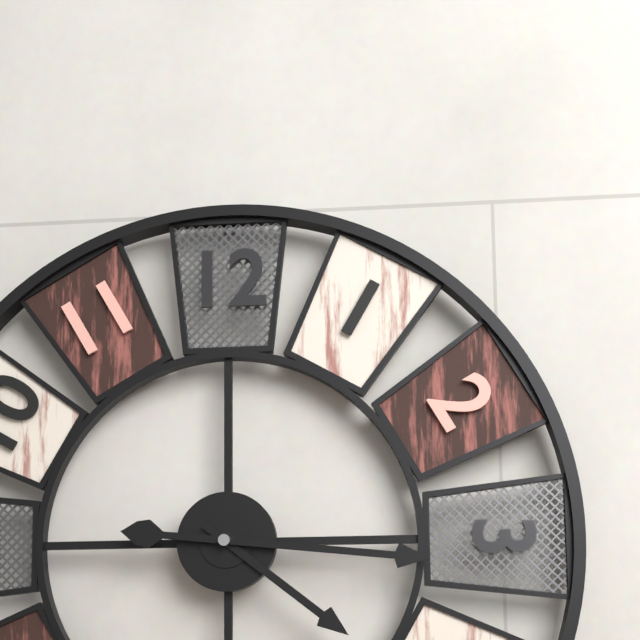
4:16
